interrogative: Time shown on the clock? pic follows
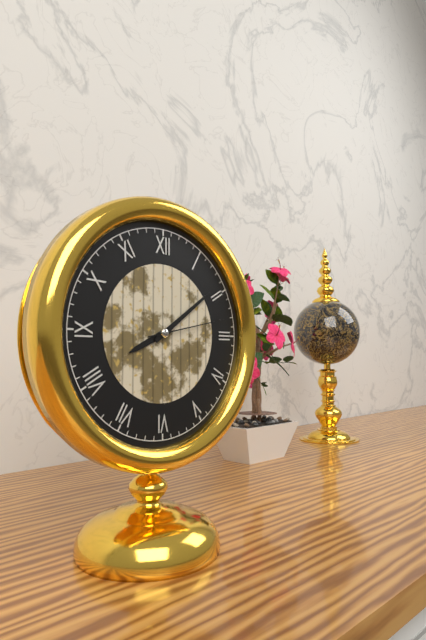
8:09:13
